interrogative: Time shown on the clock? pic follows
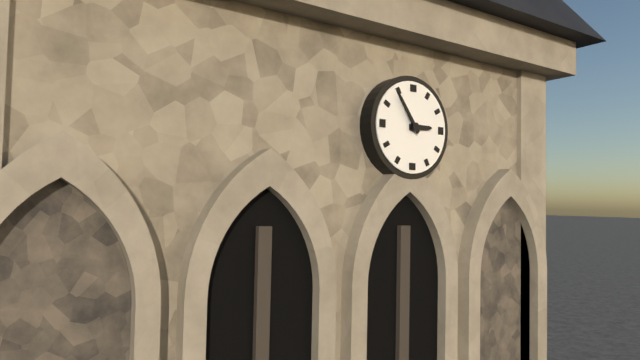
2:54
